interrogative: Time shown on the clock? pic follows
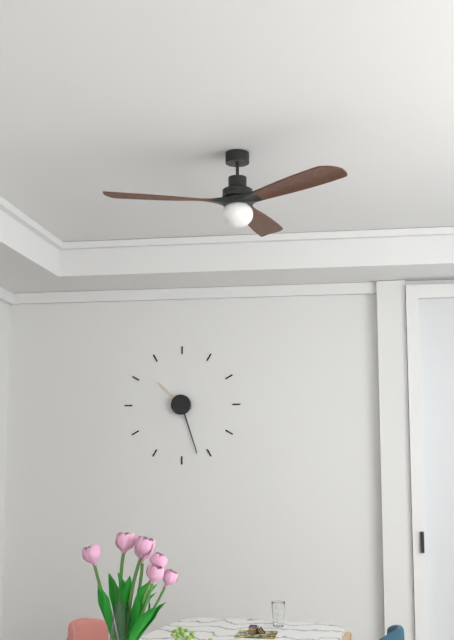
10:27
